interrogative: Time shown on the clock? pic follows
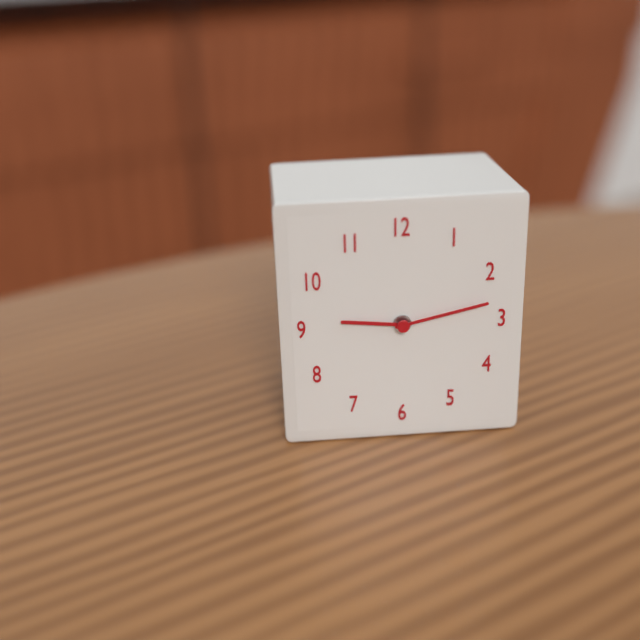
9:13
